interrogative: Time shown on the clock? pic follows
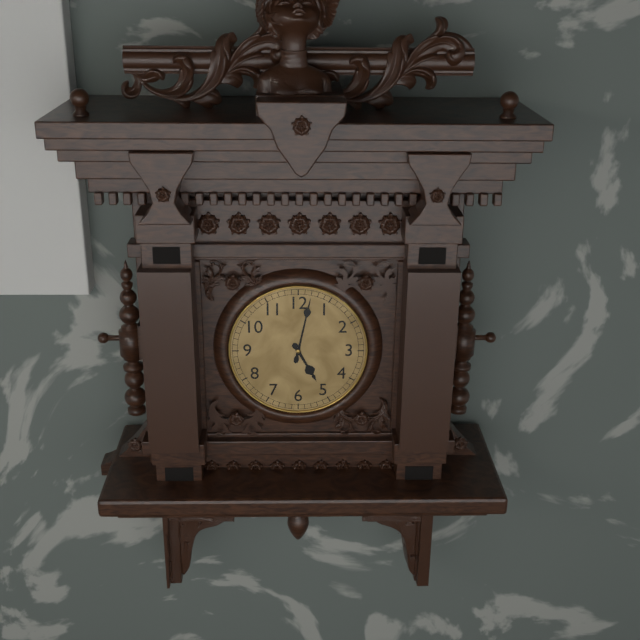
5:02
